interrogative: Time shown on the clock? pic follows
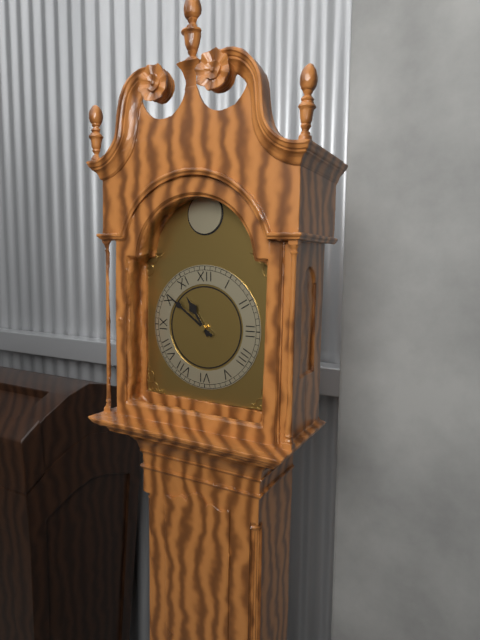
10:51
